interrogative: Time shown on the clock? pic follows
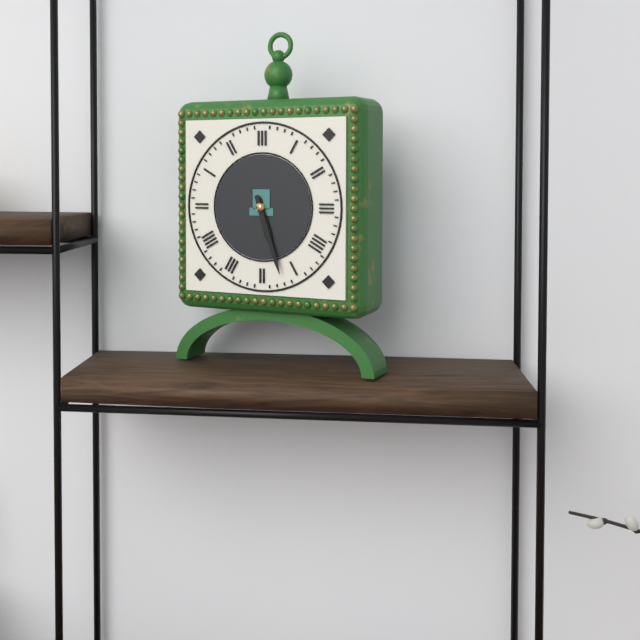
5:27
